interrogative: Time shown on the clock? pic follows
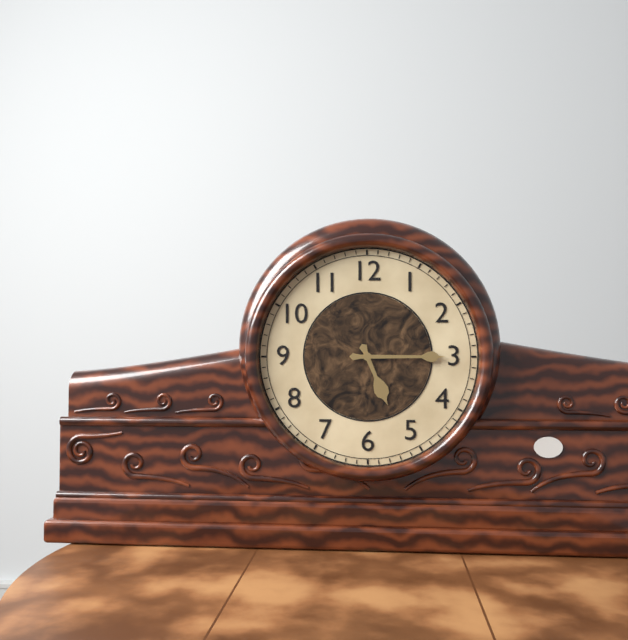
5:15
